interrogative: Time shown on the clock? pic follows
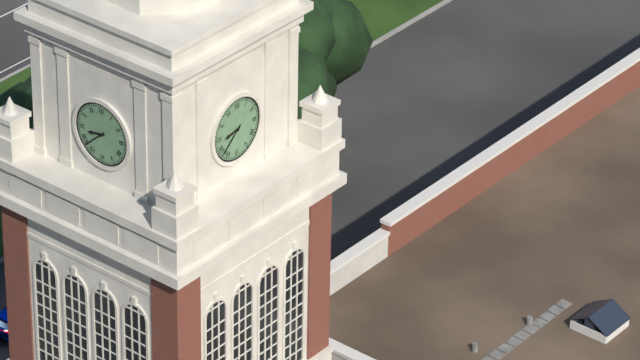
8:38
